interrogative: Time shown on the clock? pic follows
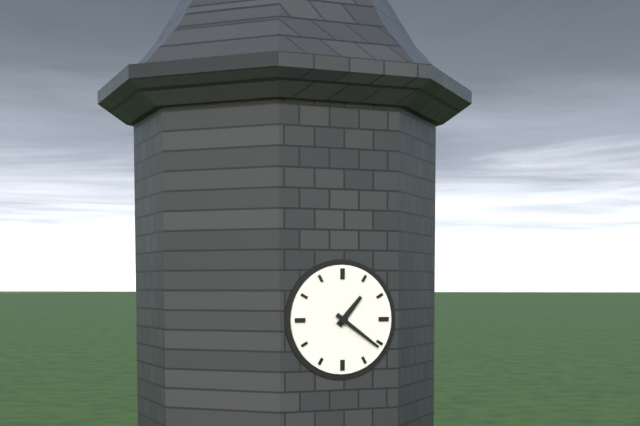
1:21
